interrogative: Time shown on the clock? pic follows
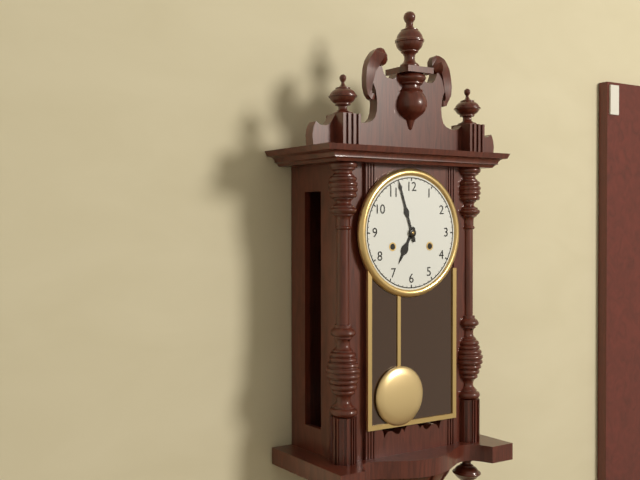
6:57
